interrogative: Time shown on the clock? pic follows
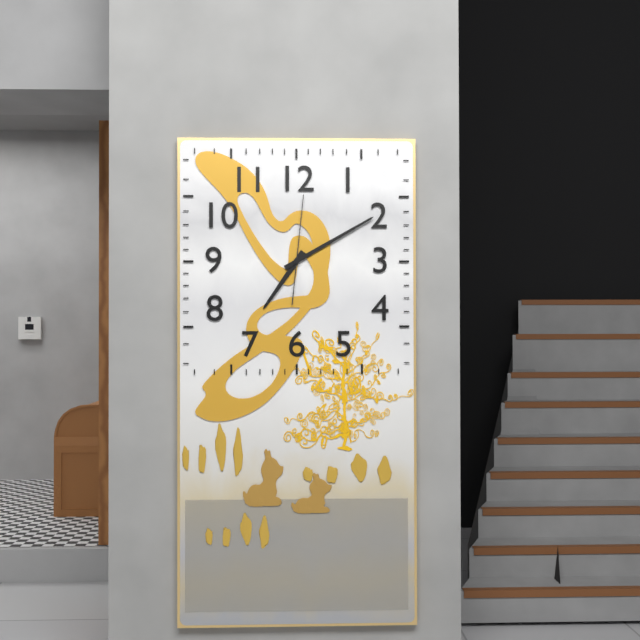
7:10:01
